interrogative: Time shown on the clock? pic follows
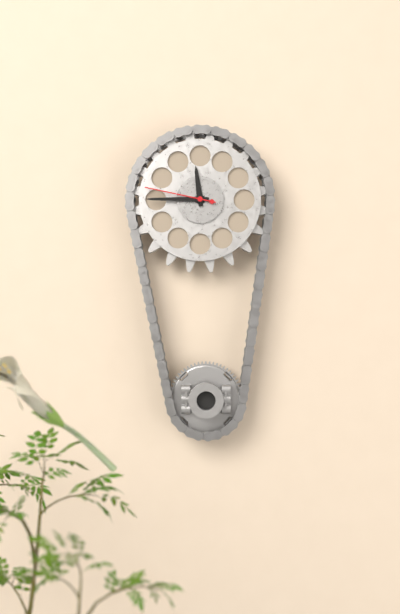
11:45:47
